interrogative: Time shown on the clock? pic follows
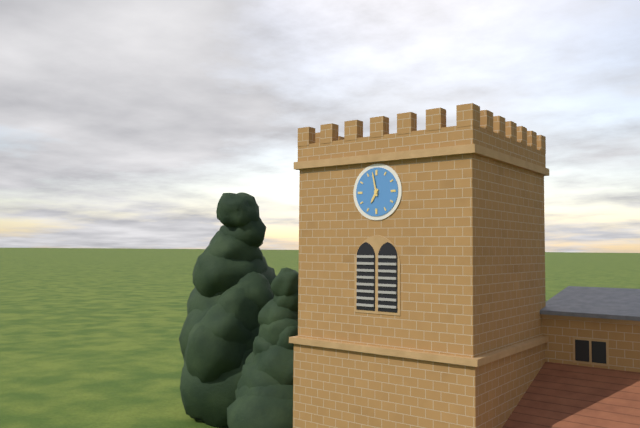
6:58
